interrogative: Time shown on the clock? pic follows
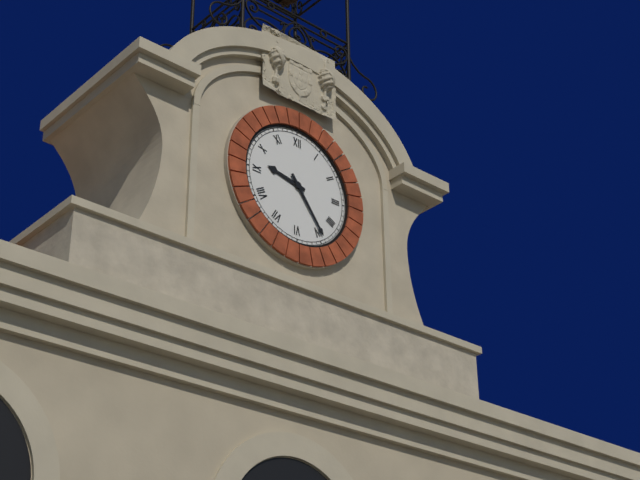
9:24
